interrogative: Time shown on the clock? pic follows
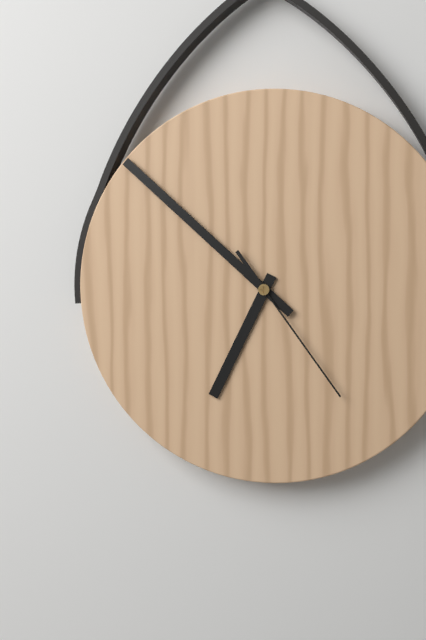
6:52:24
